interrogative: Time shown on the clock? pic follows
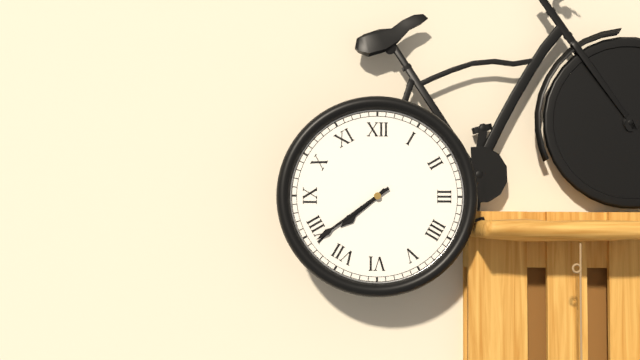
7:39
